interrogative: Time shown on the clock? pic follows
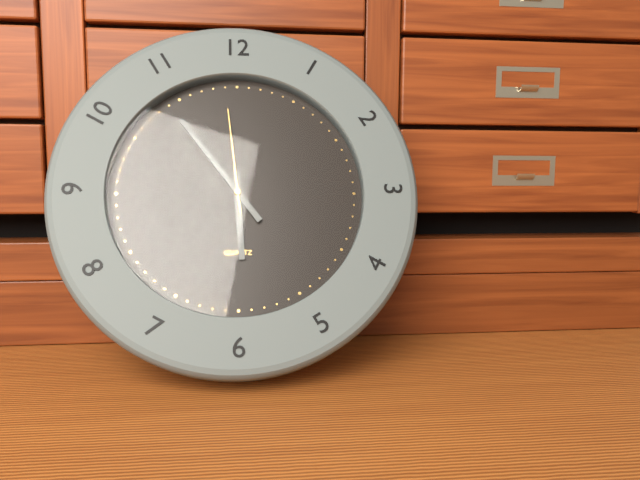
5:54:59
